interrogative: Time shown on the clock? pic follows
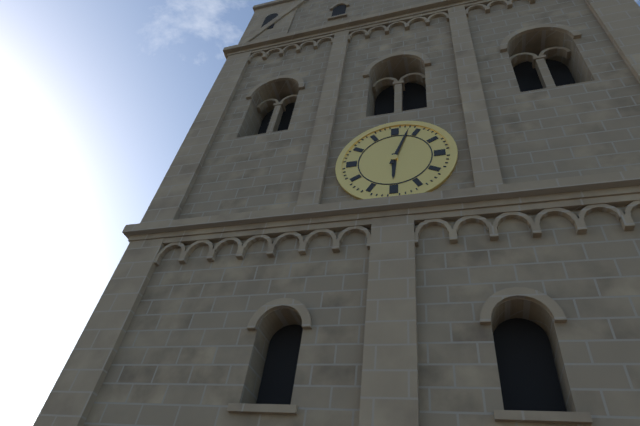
6:03
